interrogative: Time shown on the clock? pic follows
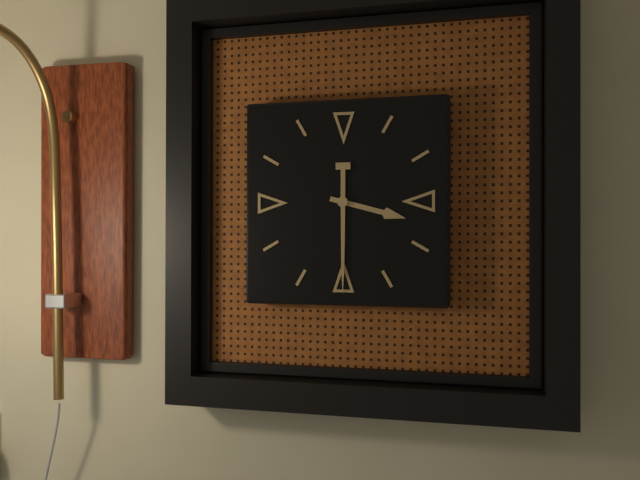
3:30
